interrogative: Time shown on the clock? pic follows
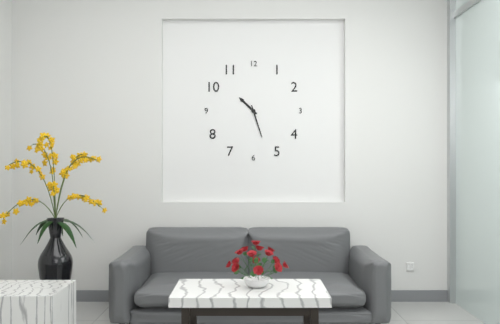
10:27
